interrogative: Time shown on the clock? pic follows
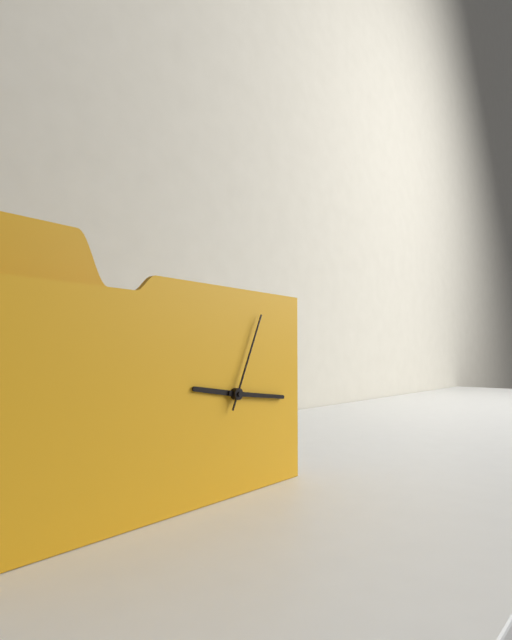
9:16:04
